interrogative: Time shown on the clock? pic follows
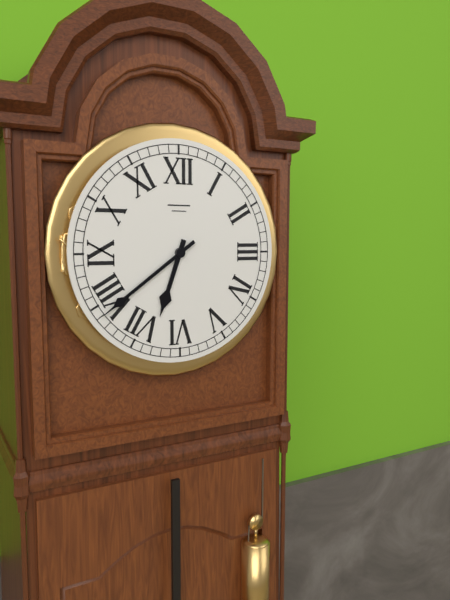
6:39
